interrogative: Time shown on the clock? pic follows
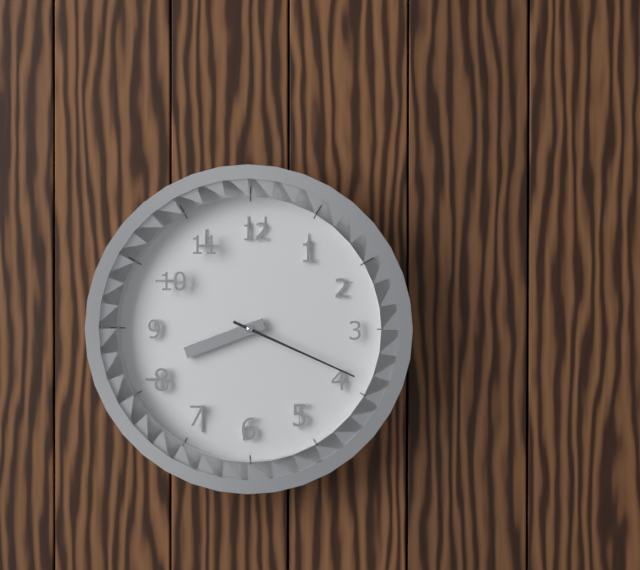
8:19
